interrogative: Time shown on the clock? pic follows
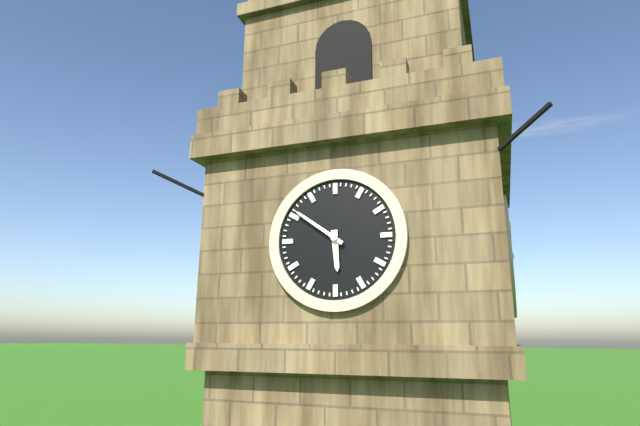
5:51
